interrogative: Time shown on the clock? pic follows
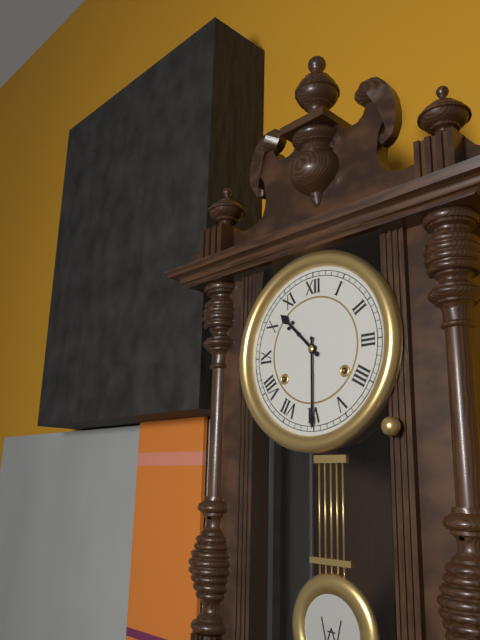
10:30
